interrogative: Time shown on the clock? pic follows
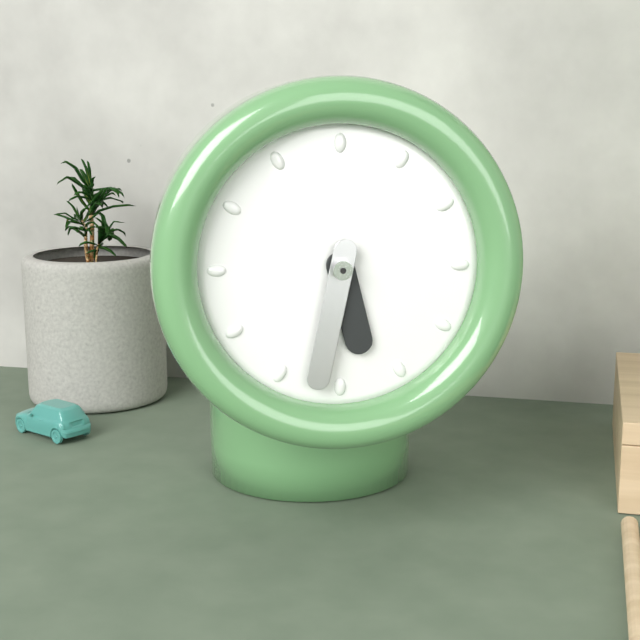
5:32
